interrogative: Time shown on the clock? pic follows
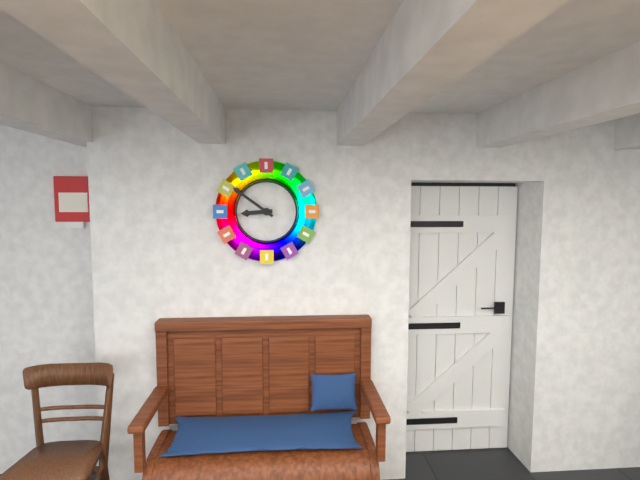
8:51
